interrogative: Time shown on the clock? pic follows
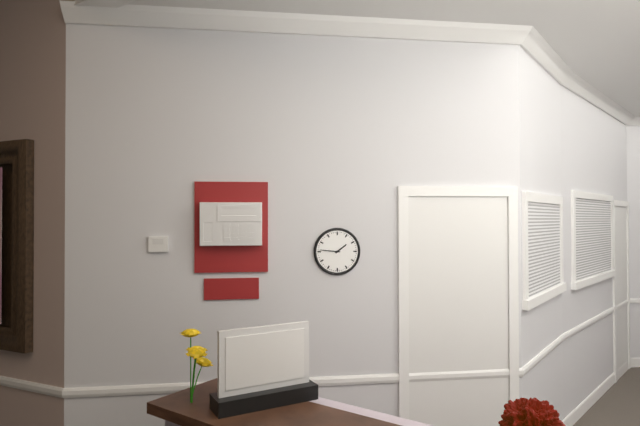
1:46
